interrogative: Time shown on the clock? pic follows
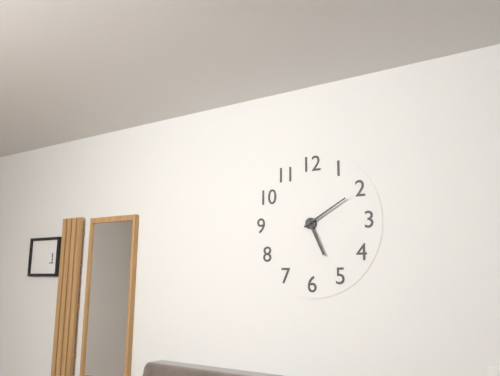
5:10
